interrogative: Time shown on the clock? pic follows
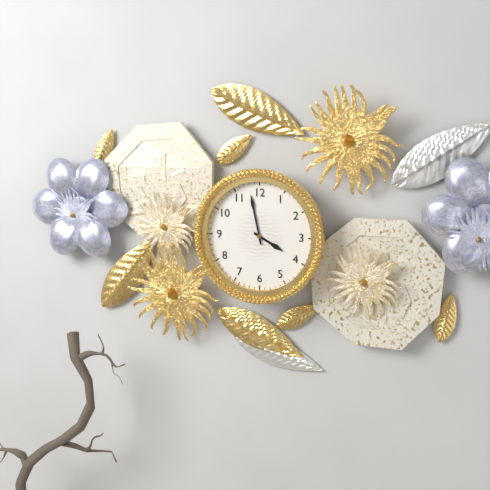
3:58
